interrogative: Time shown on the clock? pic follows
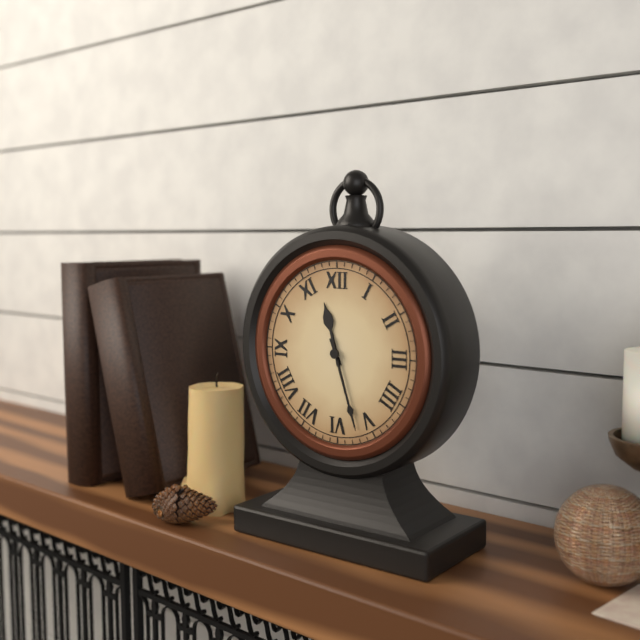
11:27
